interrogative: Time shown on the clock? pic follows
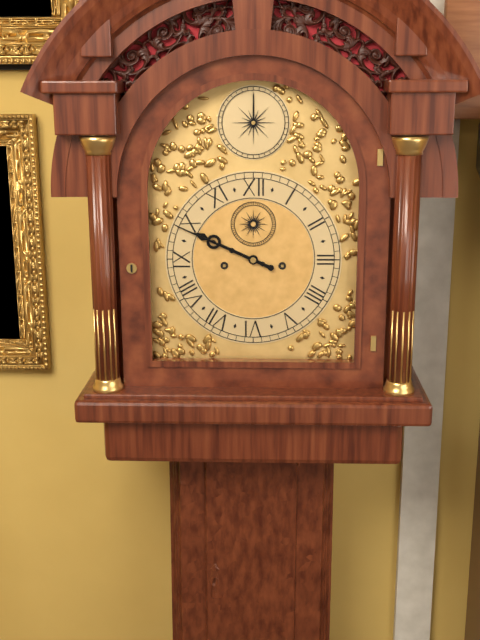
9:49
